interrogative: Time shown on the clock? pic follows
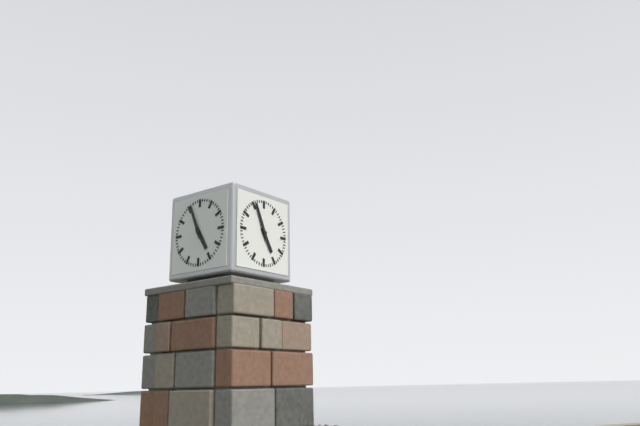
4:56
